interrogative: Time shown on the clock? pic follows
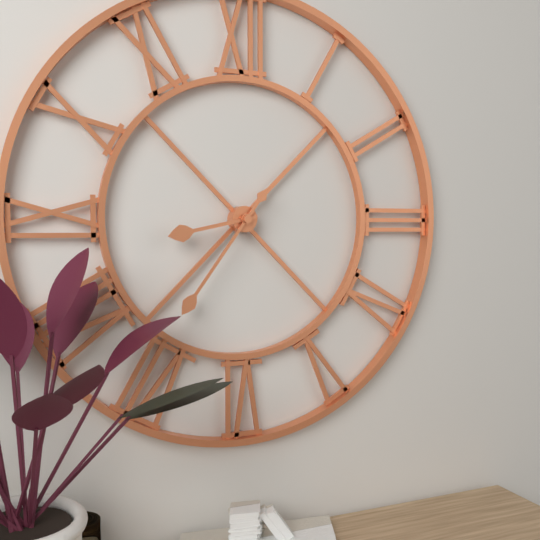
8:36
